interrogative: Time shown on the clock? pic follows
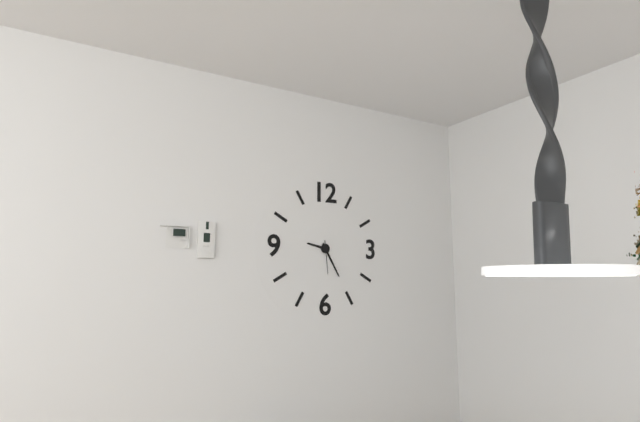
9:25
